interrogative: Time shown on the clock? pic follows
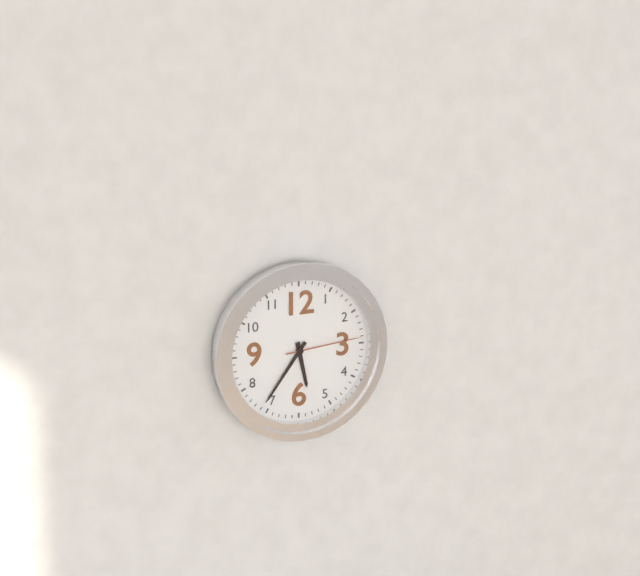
5:36:14
